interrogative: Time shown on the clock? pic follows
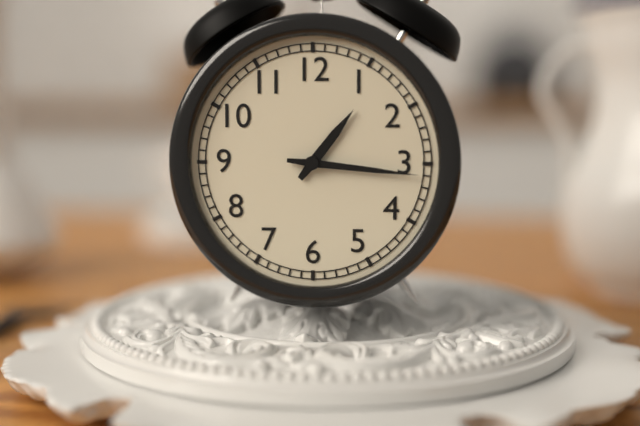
1:16
